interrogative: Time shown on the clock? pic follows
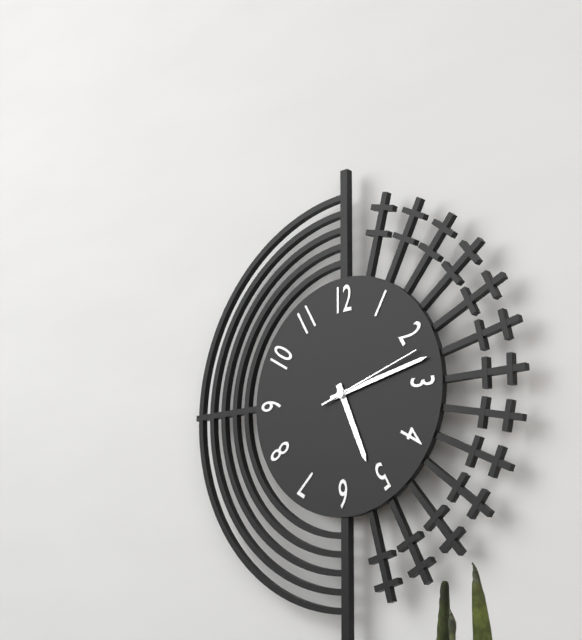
5:13:12
